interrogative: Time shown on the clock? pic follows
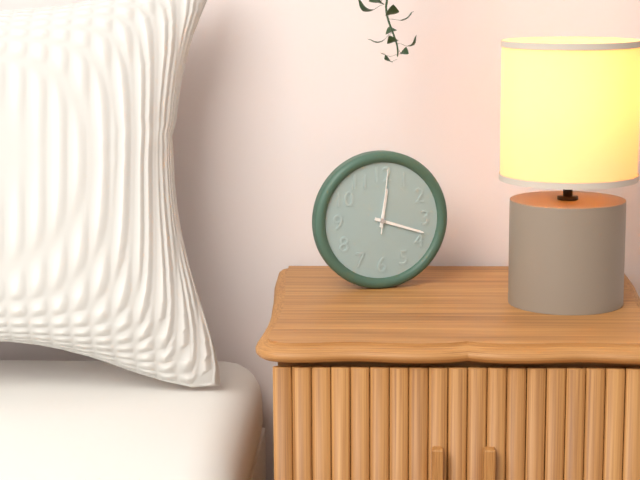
12:18:01
